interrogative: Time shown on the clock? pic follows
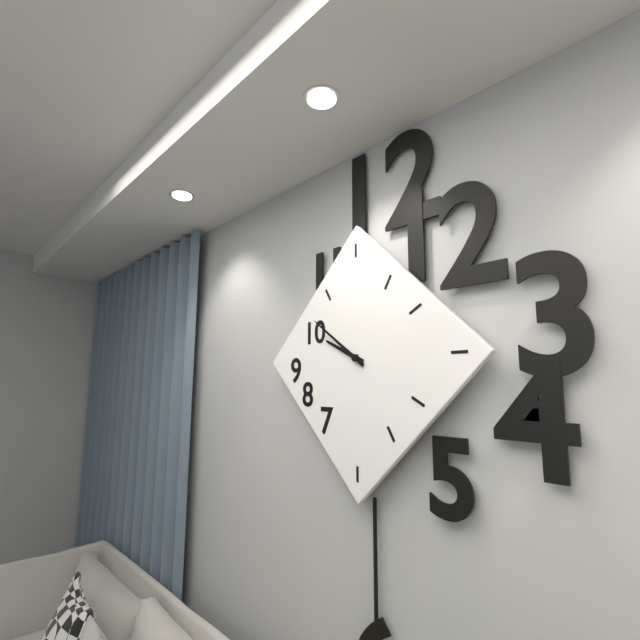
9:51
